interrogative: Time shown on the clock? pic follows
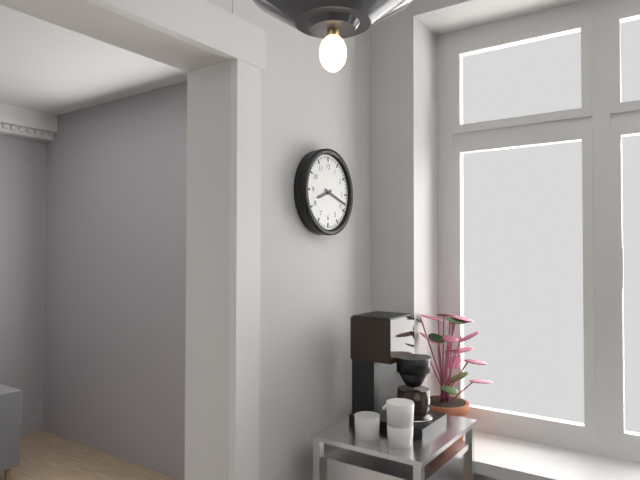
8:18
